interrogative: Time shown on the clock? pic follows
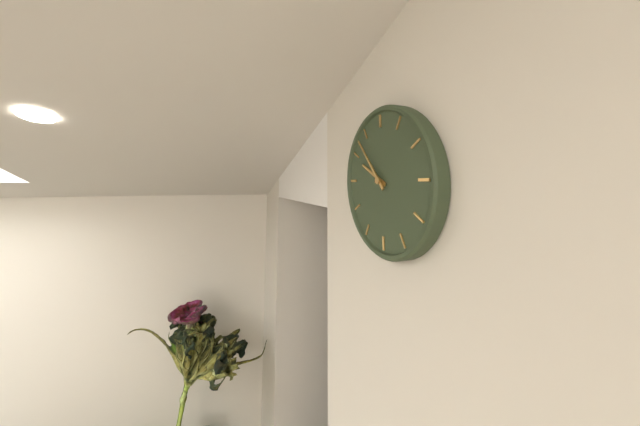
9:53
